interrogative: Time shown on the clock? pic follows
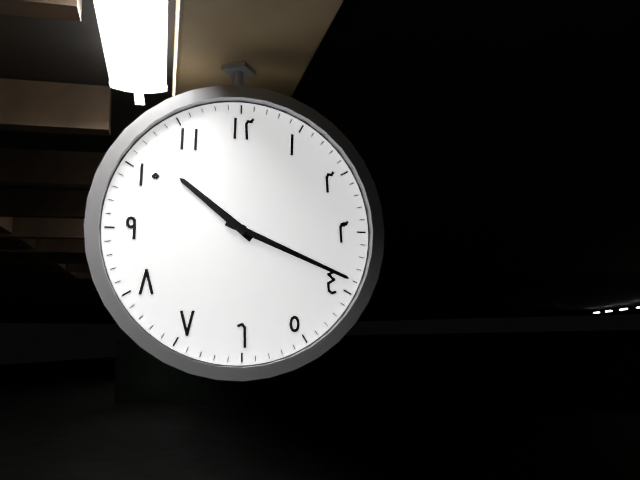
10:19
